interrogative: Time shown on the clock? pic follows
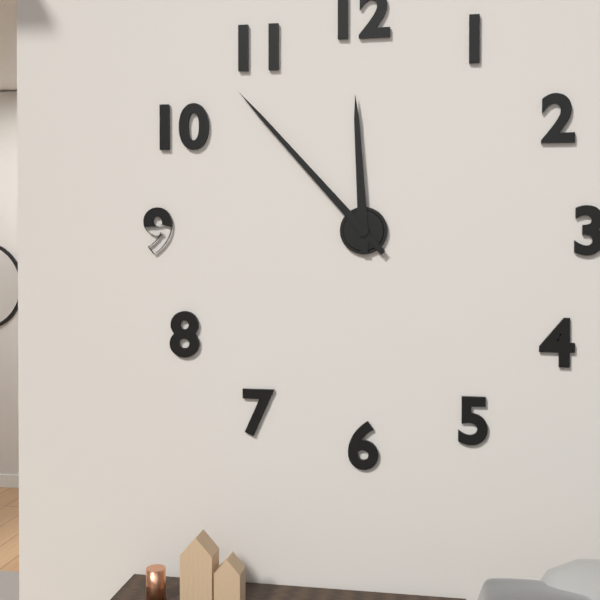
11:53
